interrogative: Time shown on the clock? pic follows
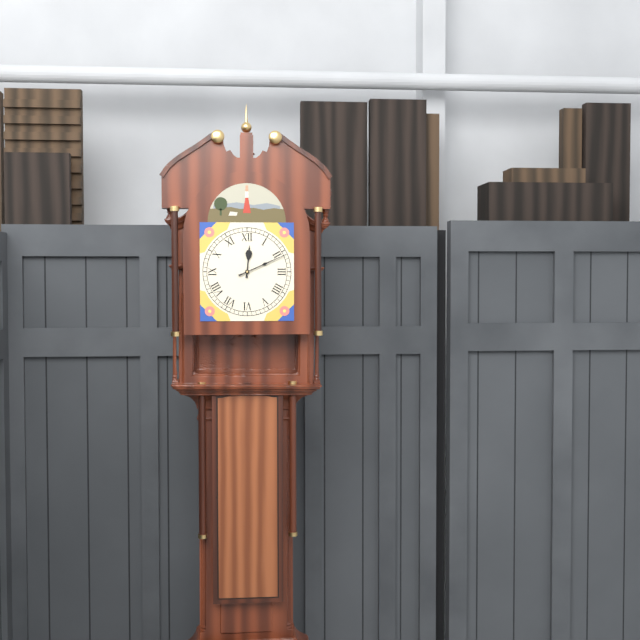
12:11
